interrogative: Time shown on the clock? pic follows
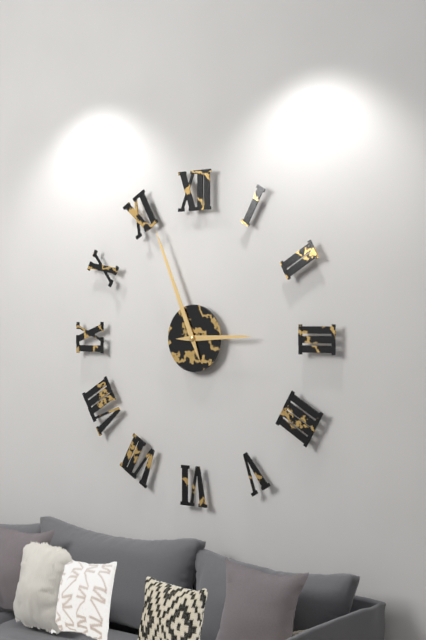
2:56
